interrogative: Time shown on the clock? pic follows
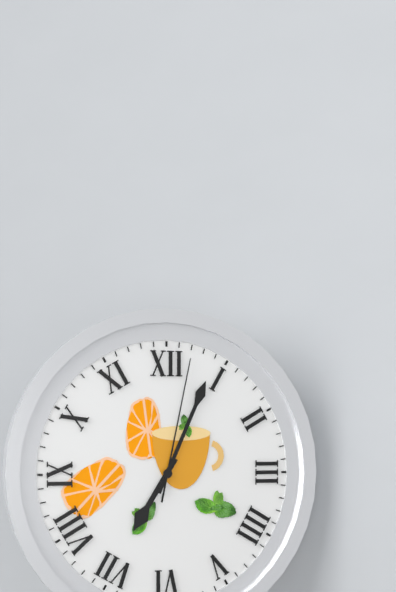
7:04:02
